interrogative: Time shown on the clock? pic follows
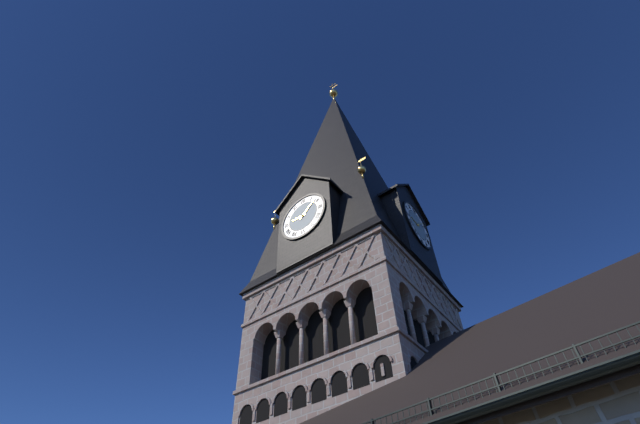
9:08
